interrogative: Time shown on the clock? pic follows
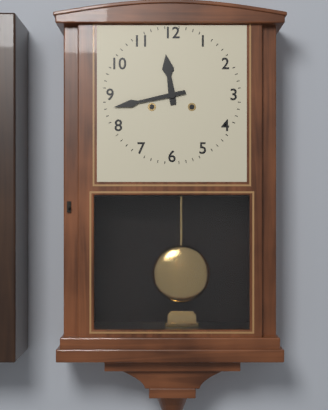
11:43
